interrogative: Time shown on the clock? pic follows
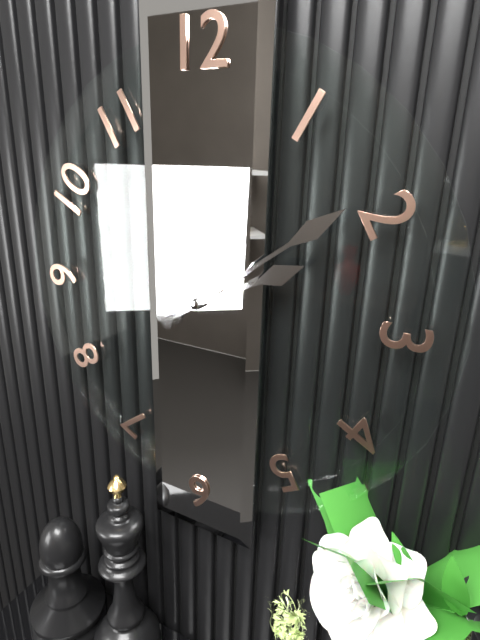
2:09
